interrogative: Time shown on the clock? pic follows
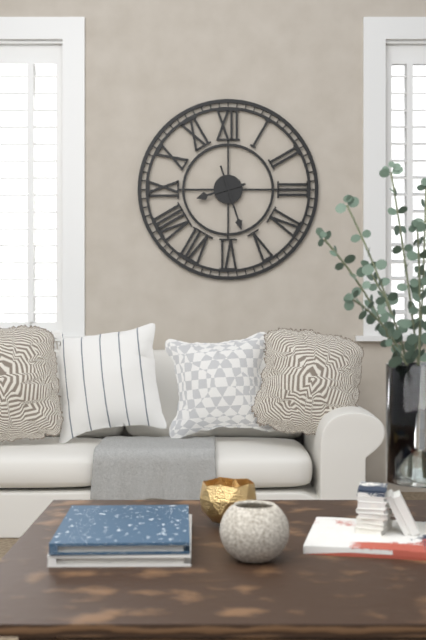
8:27
